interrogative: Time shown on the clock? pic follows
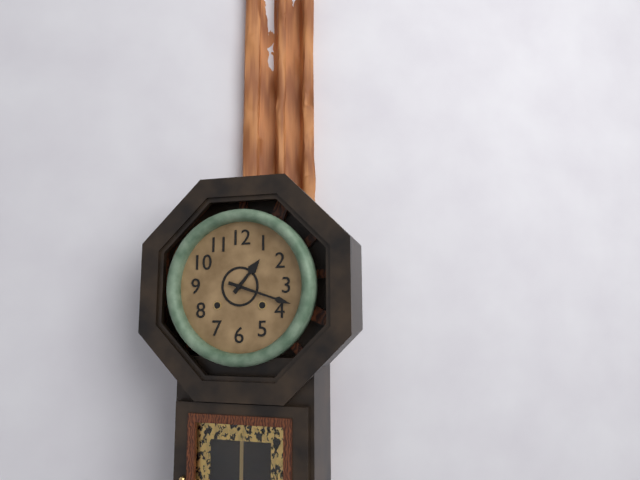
1:18
